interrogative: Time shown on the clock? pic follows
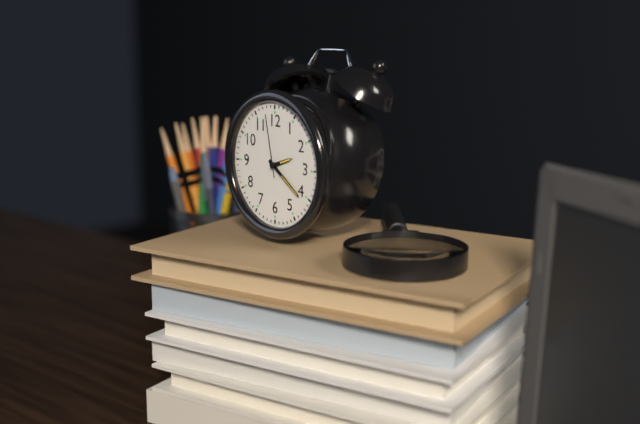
2:21:58
